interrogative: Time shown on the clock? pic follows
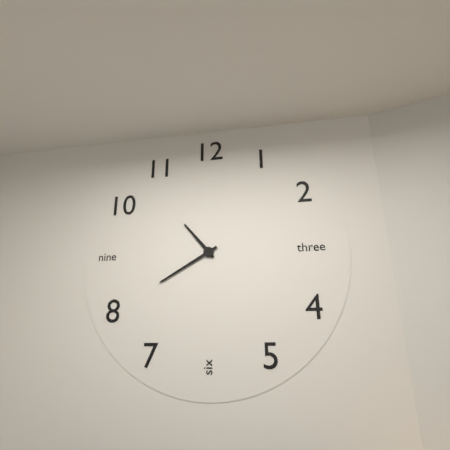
10:40
